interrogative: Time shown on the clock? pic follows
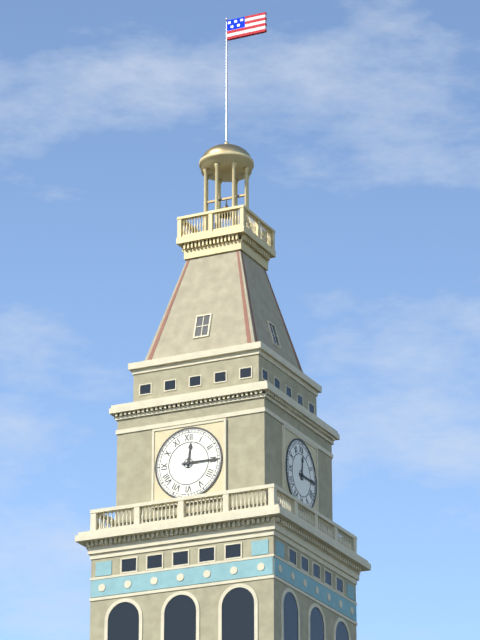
12:15
